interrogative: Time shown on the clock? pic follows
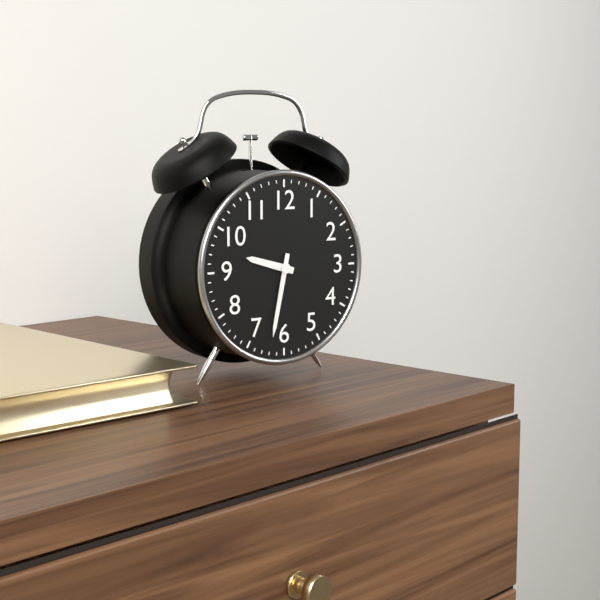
9:32
